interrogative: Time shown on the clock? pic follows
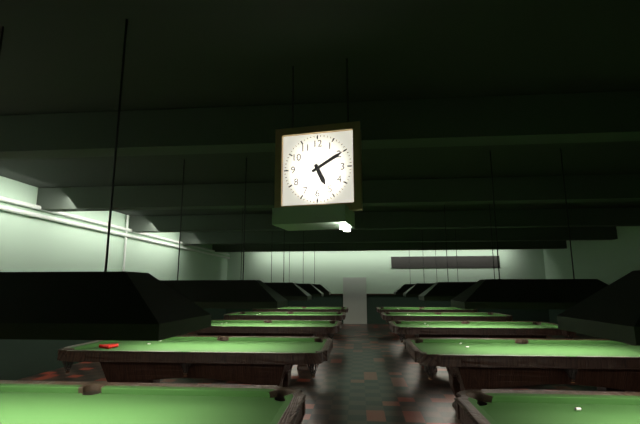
5:10
